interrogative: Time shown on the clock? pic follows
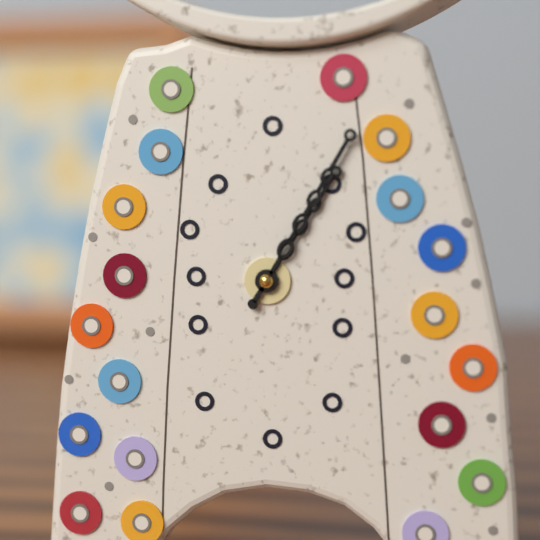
1:05
